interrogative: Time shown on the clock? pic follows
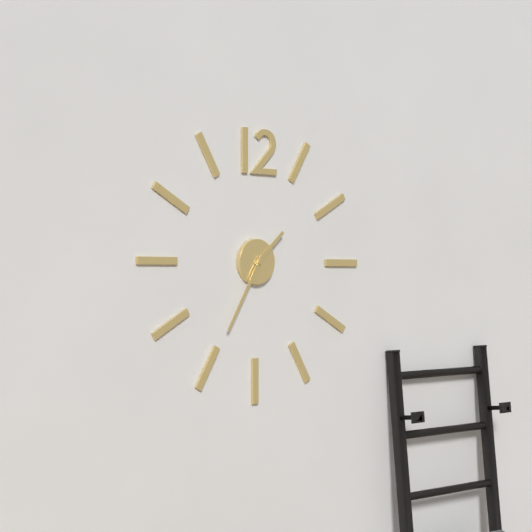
1:35
